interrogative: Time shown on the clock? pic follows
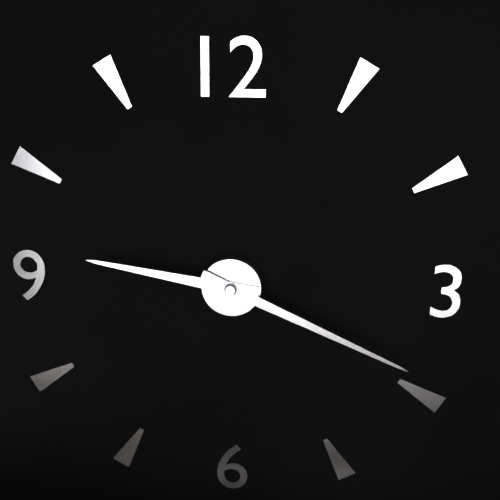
9:19
